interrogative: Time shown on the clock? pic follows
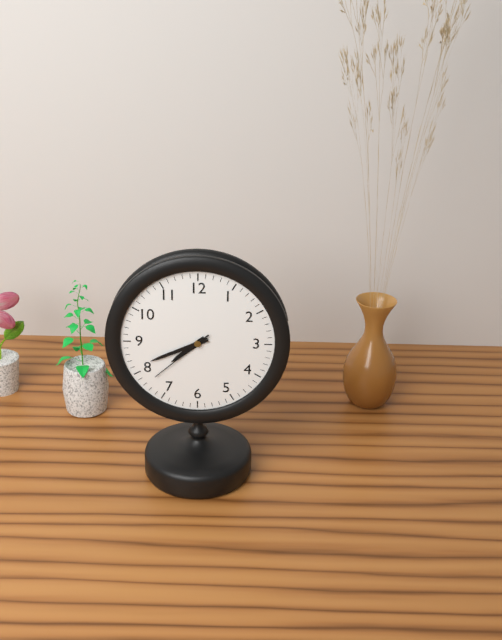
7:41:38
